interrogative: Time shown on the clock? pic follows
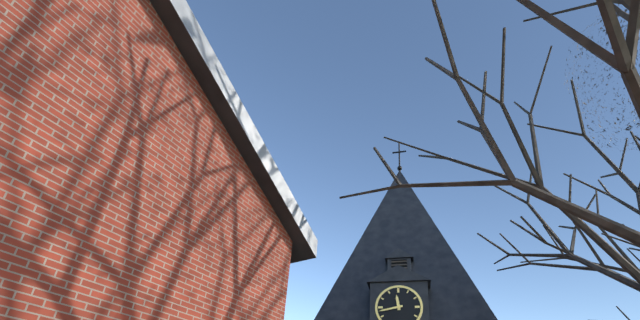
11:43
